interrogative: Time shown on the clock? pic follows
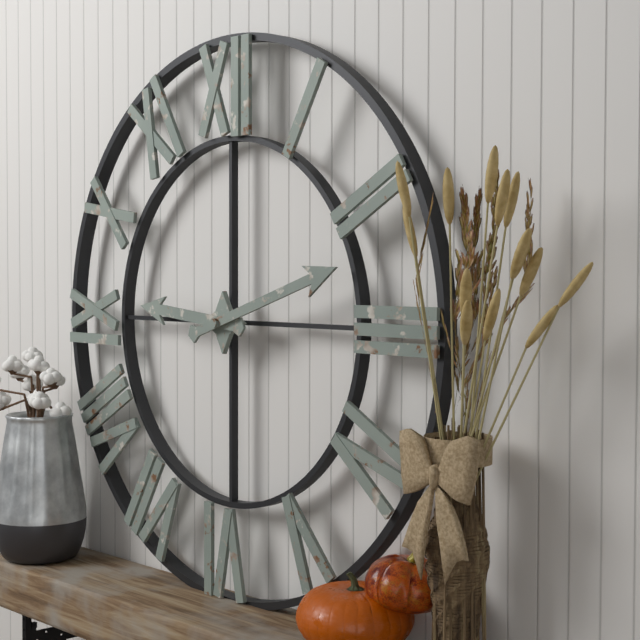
9:12
